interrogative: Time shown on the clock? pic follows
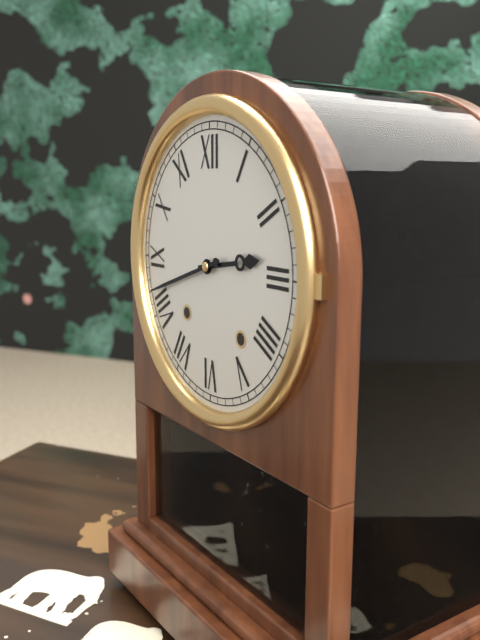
2:42
